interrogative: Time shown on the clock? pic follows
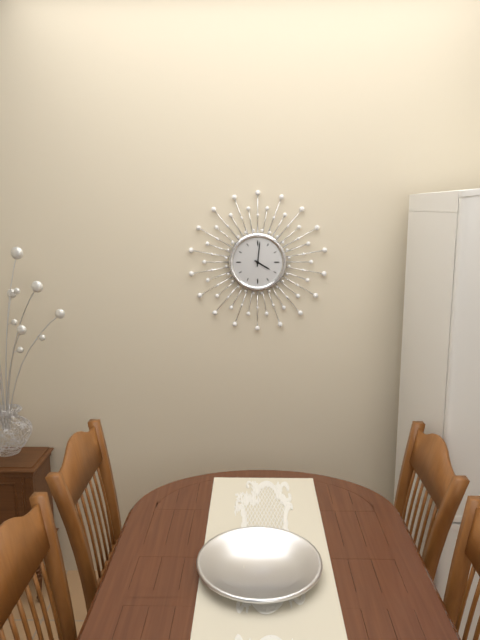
4:01
